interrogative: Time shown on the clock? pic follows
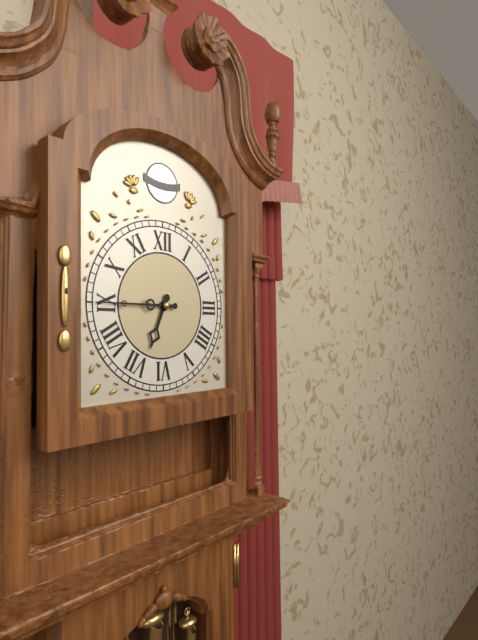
6:45
